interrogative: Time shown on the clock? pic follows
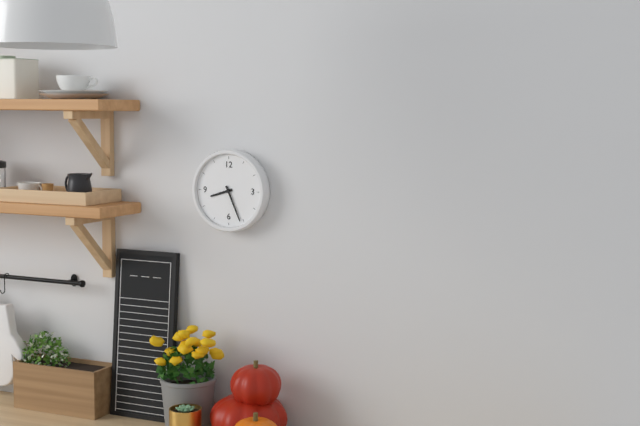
8:26
